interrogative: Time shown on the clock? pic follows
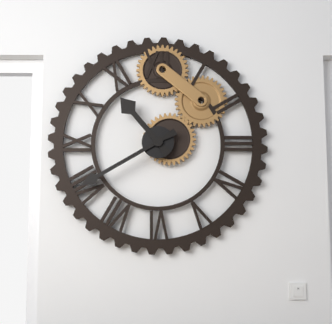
10:40
